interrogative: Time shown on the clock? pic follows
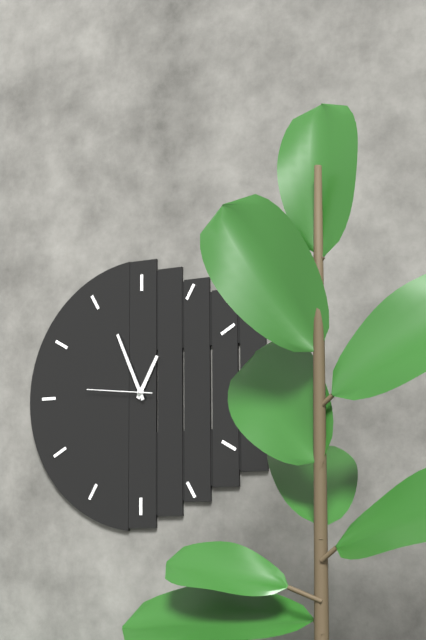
12:56:46
